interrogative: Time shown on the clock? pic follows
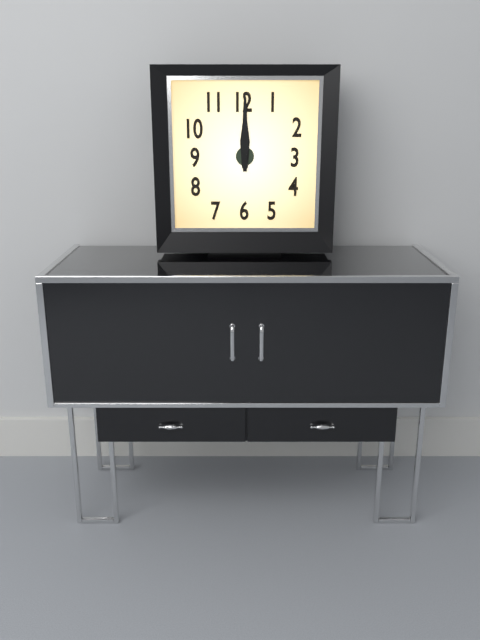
12:00
